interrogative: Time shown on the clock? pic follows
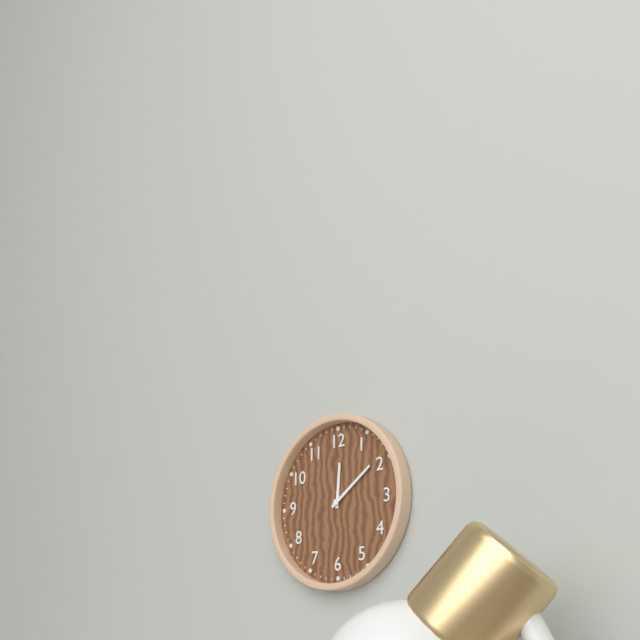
12:09
